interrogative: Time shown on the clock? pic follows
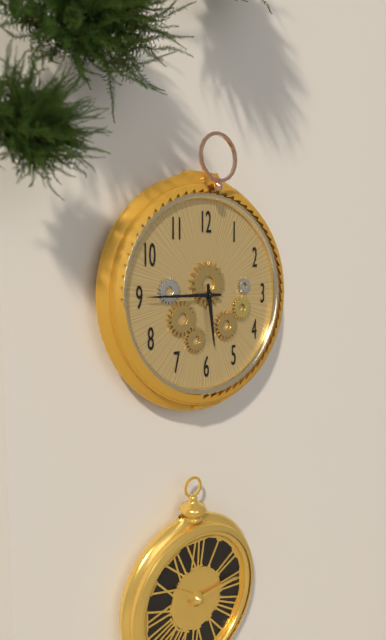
5:45
